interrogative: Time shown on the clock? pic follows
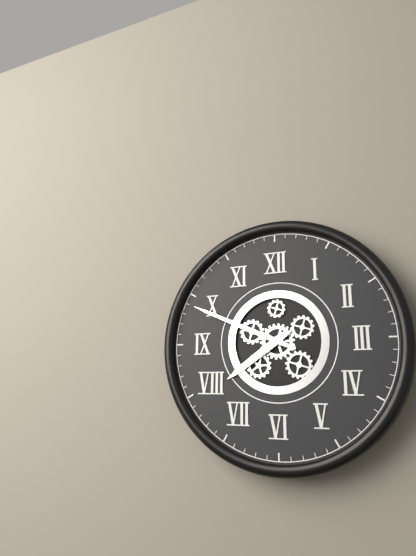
7:49
